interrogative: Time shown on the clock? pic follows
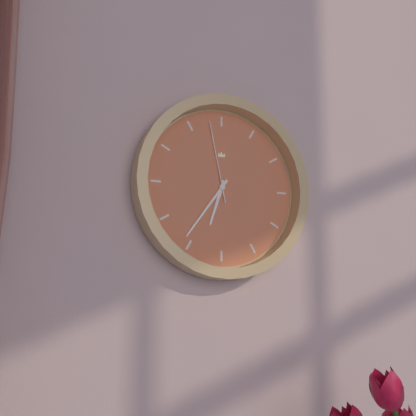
6:36:58
